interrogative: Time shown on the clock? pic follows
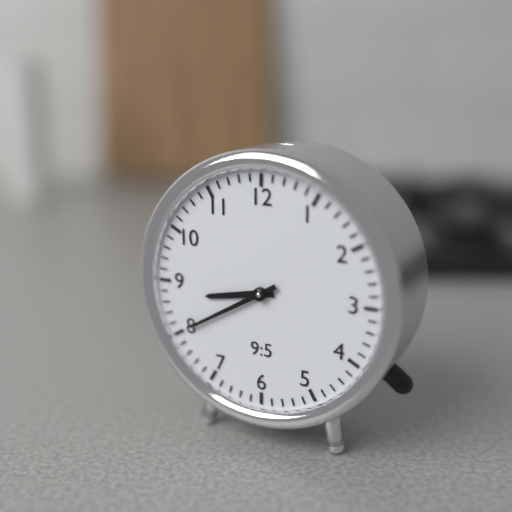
8:40
